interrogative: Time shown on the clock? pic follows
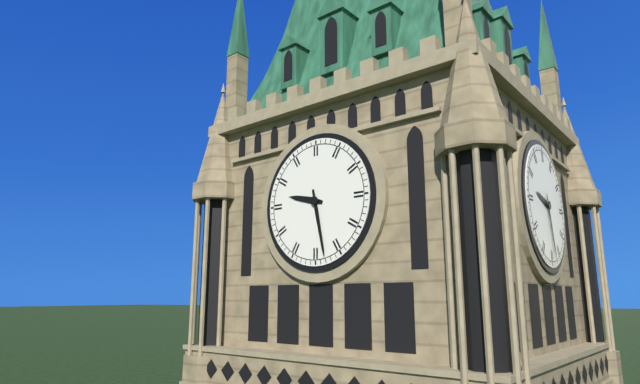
9:28
